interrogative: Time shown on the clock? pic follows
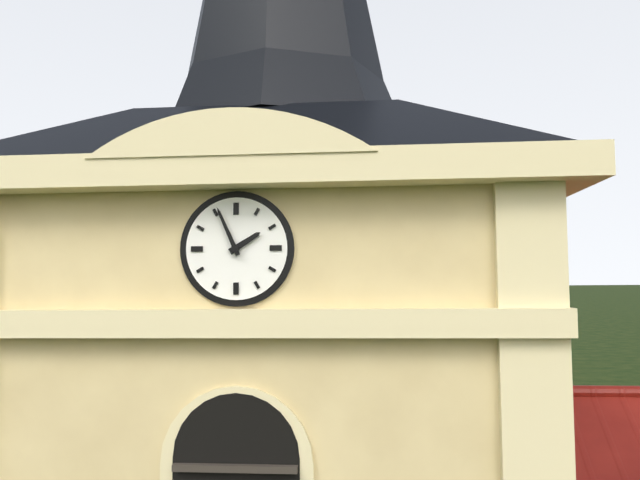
1:56
